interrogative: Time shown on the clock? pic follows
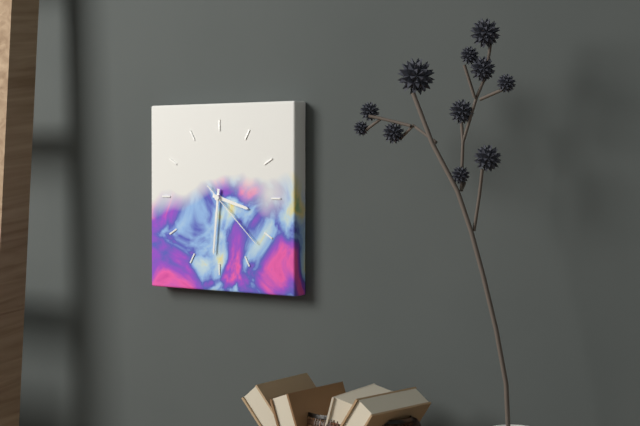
3:31:22
